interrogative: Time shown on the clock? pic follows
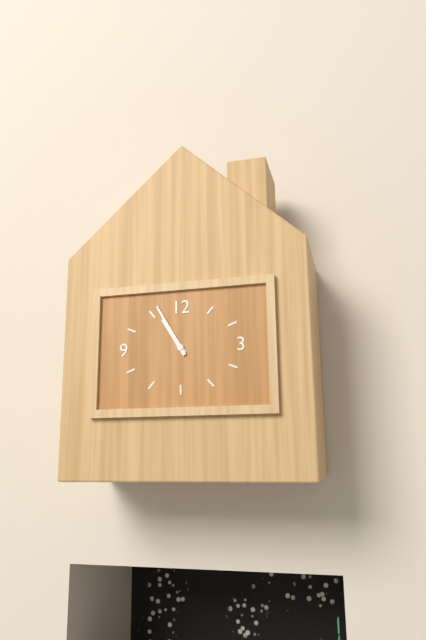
10:55
